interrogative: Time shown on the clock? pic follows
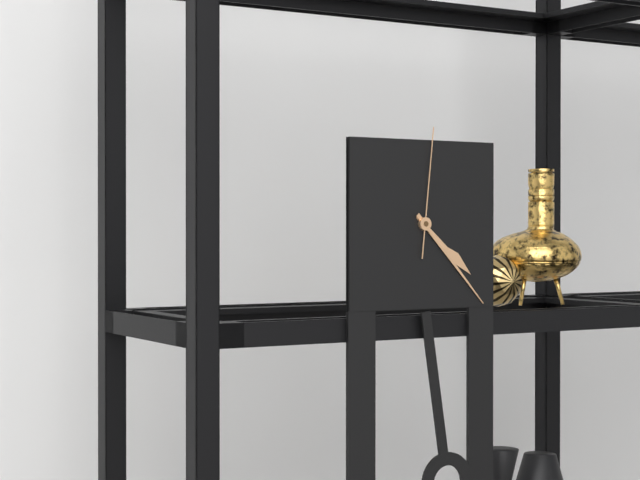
4:23:01
